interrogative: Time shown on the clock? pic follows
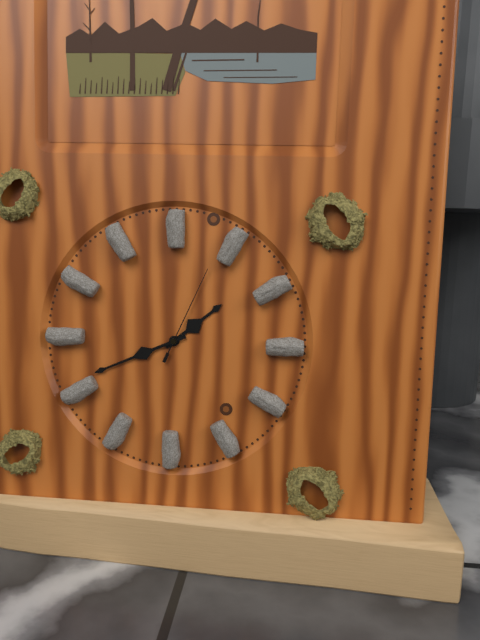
1:41:04
